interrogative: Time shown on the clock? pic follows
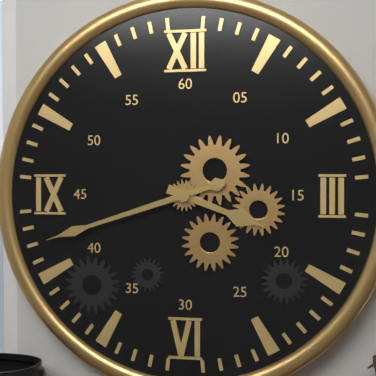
3:42
